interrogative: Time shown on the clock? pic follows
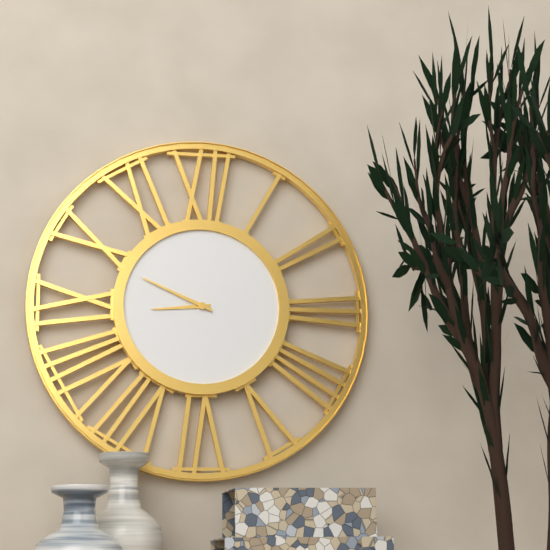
8:49
